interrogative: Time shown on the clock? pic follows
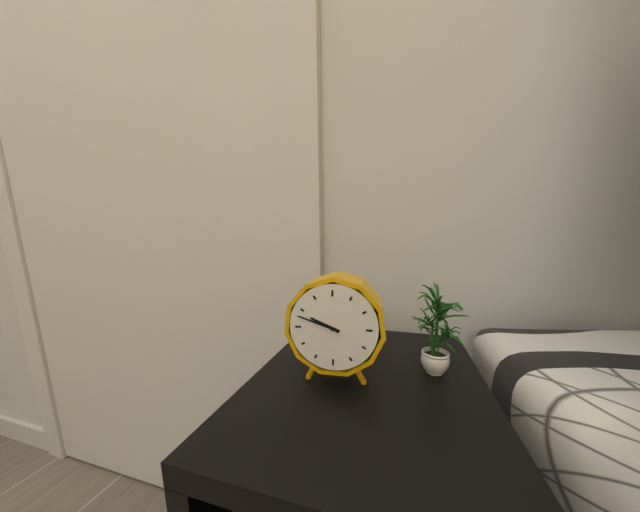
9:48
